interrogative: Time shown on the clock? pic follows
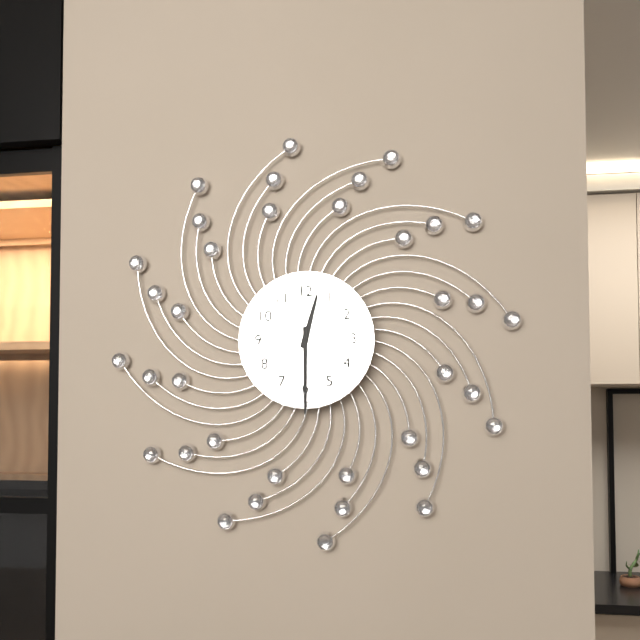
12:30
